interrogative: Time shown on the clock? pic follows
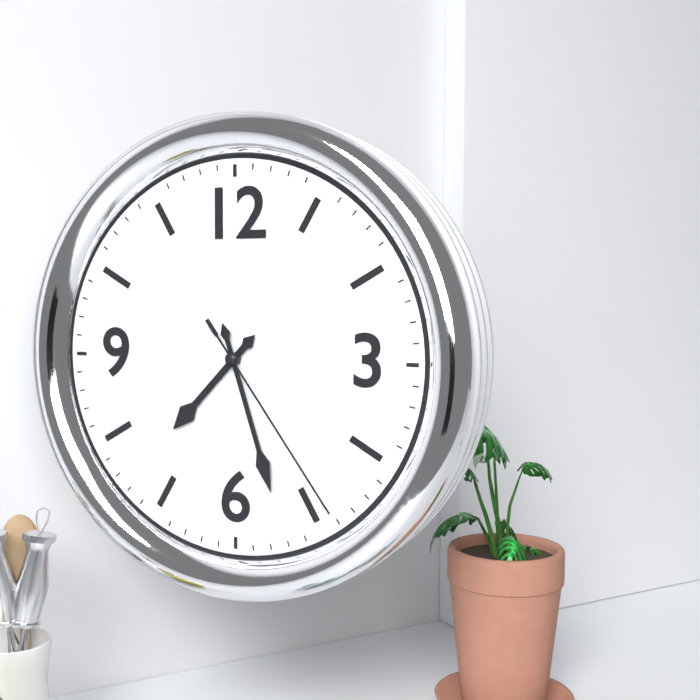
7:27:24
